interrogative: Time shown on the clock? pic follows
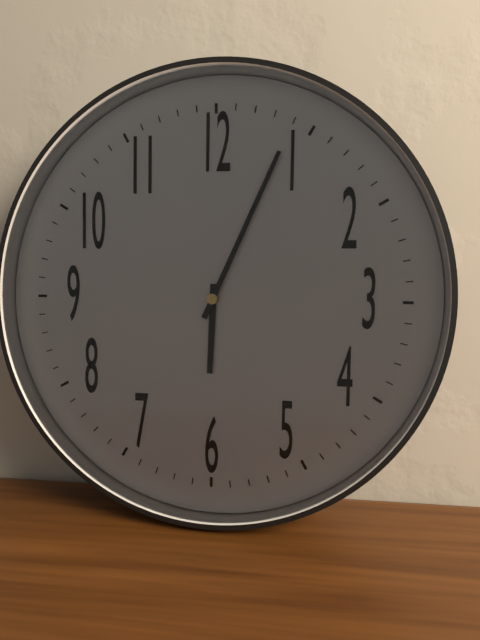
6:04
